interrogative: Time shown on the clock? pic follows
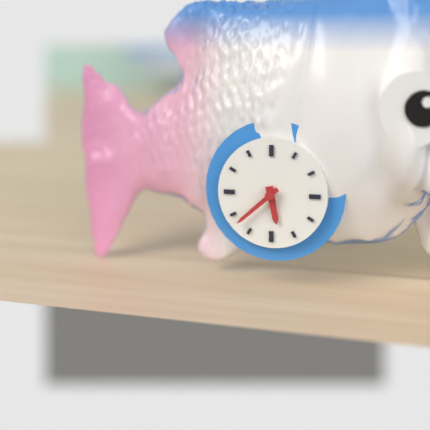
5:38
